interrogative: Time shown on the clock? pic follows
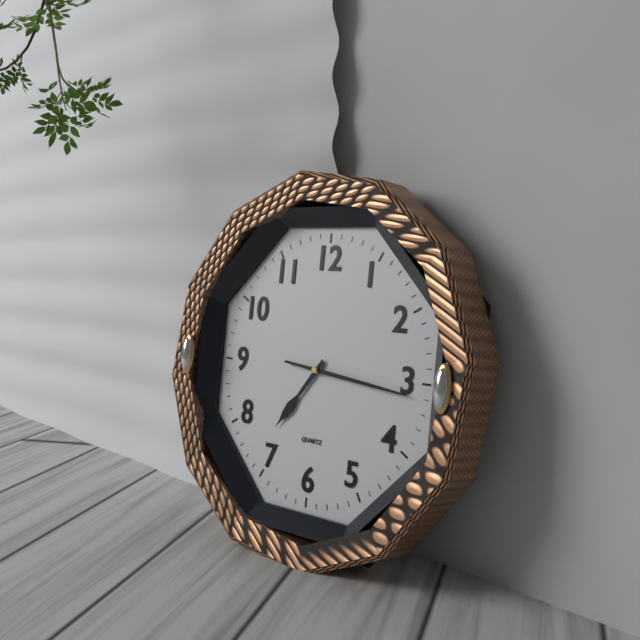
7:16
